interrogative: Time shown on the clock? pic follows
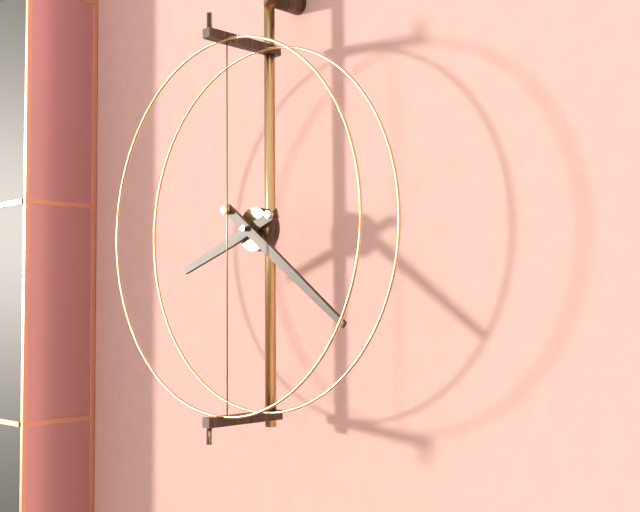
8:21
